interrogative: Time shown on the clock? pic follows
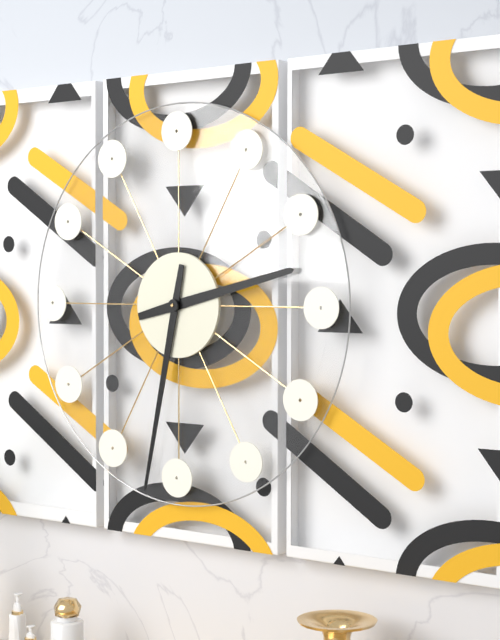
2:32
